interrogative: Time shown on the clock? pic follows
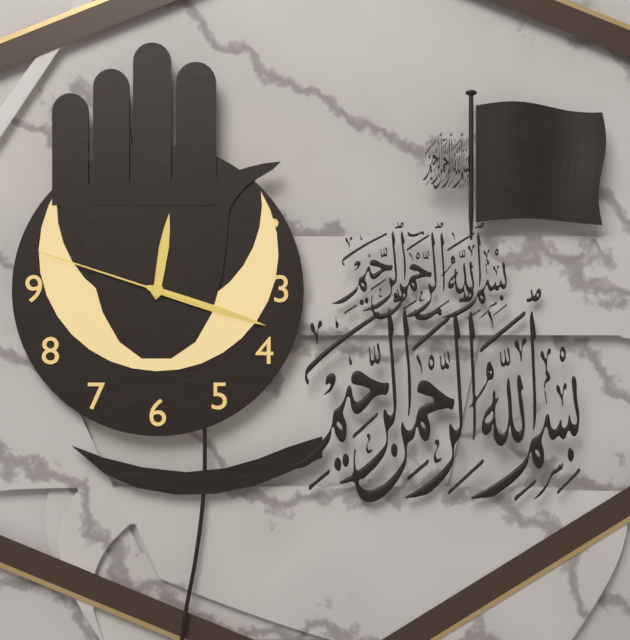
12:18:48
